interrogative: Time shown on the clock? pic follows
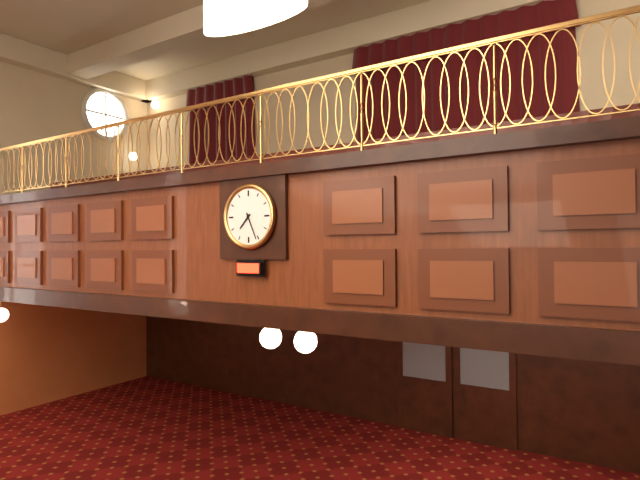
7:26
